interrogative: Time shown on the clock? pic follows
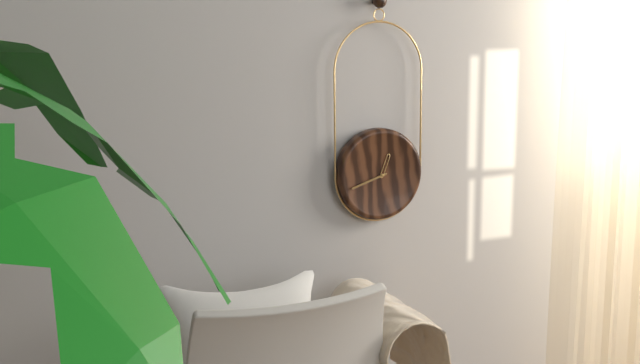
12:42
